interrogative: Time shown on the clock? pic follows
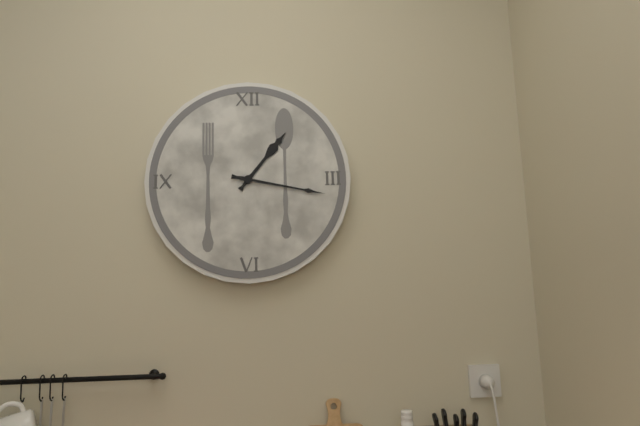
1:17
